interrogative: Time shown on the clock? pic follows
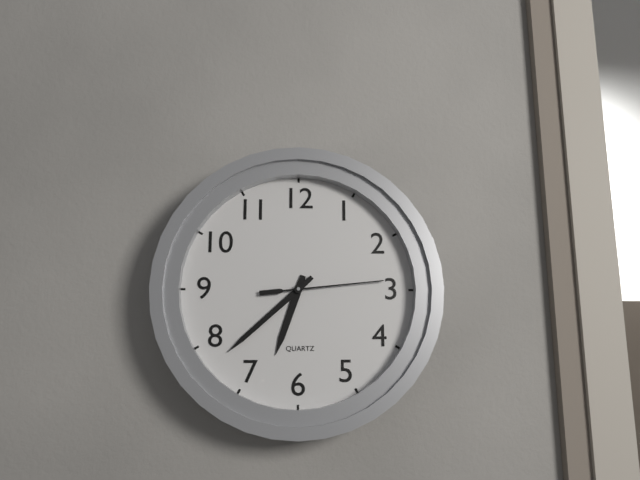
6:38:14
